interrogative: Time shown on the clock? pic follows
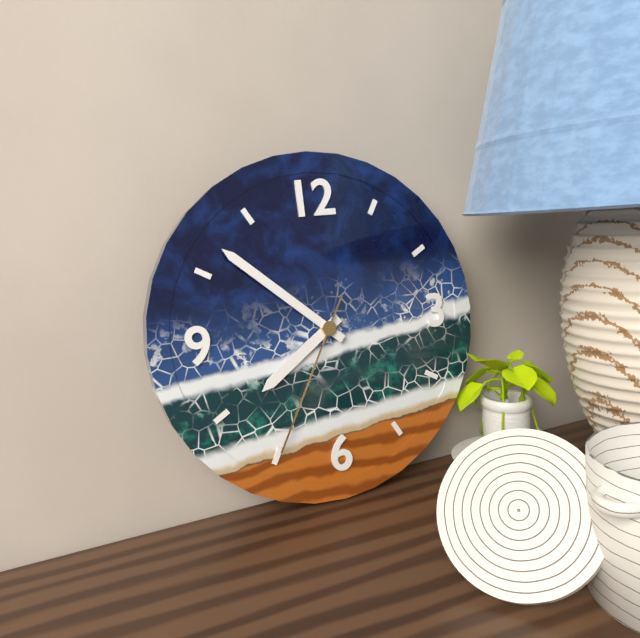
7:52:35
